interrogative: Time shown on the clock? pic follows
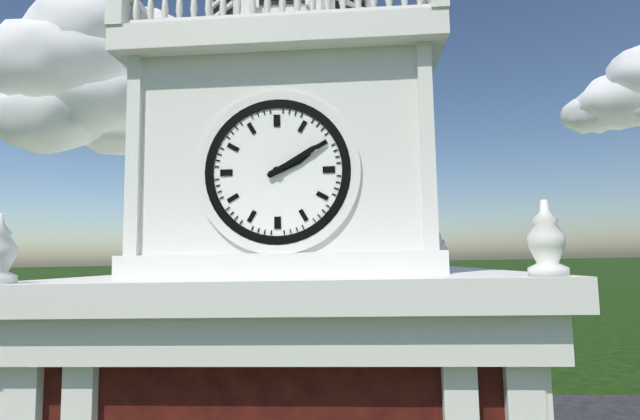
2:10
